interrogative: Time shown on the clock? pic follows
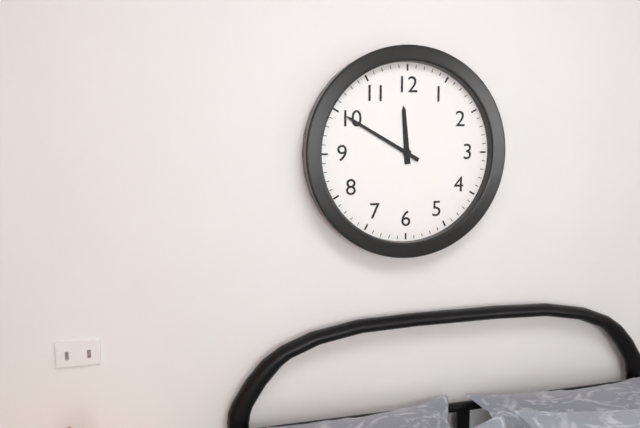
11:50
